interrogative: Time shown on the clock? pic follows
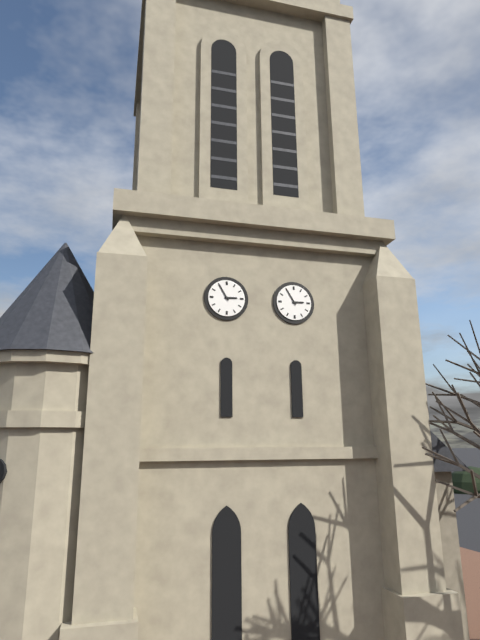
2:55
